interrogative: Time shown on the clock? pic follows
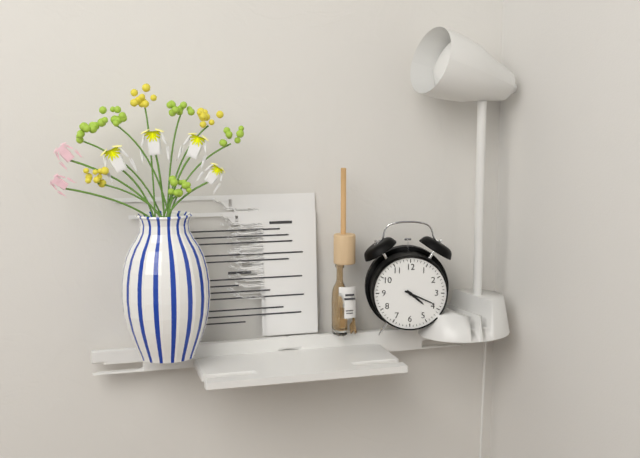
4:19
